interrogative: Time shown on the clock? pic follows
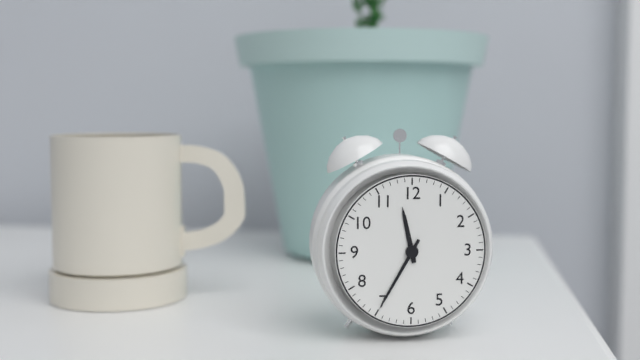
11:35
